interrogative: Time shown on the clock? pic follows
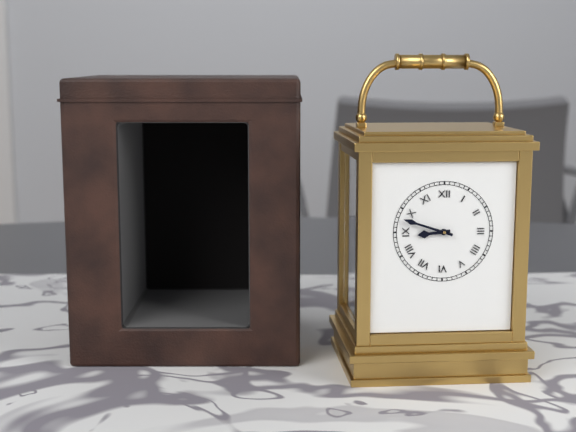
8:48
